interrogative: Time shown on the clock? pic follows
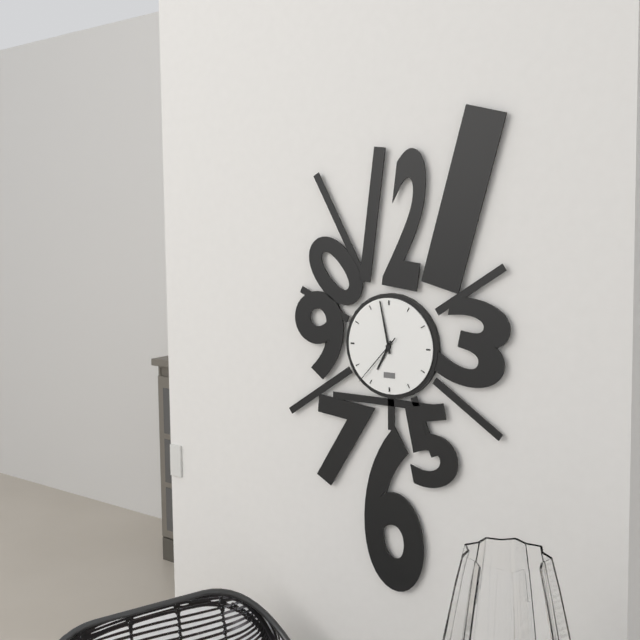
6:58:37
